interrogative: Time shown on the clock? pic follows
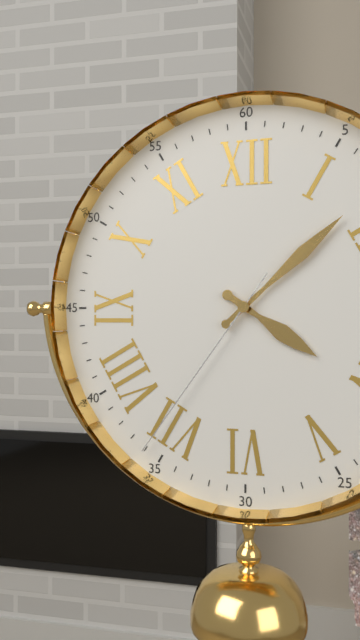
4:08:36
